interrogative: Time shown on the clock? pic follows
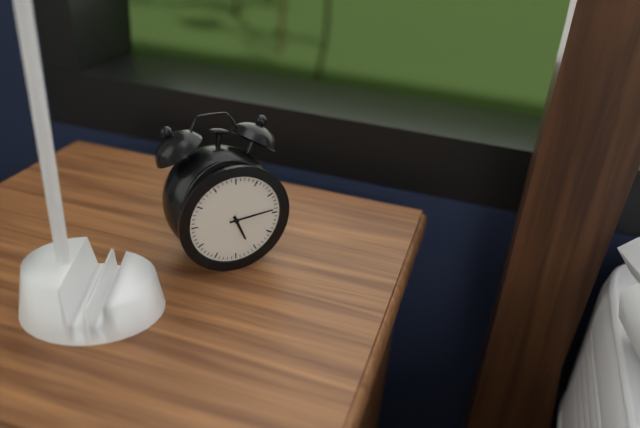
5:14
